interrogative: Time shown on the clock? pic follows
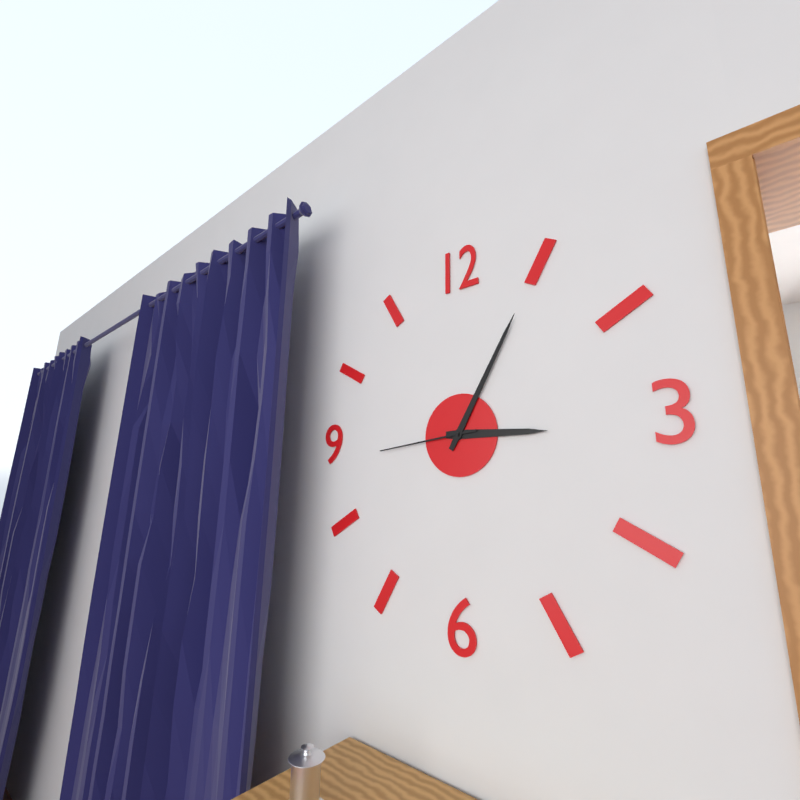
3:05:44
